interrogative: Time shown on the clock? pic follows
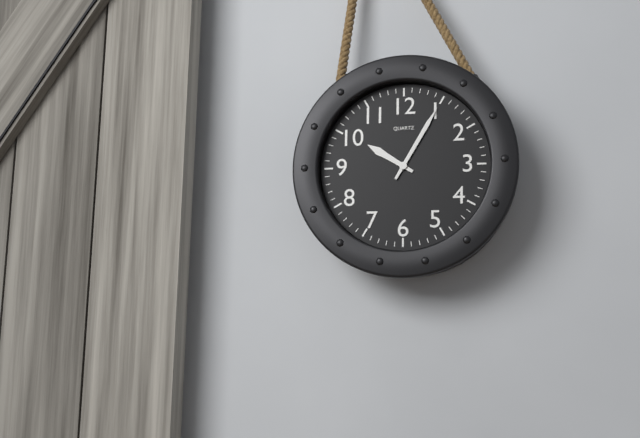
10:05
